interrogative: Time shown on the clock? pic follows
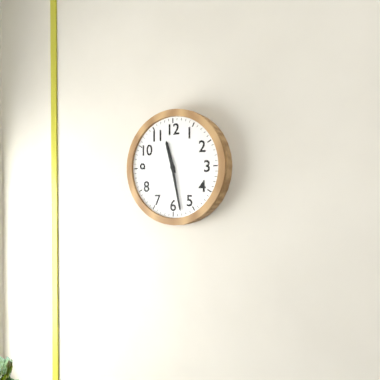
11:28
